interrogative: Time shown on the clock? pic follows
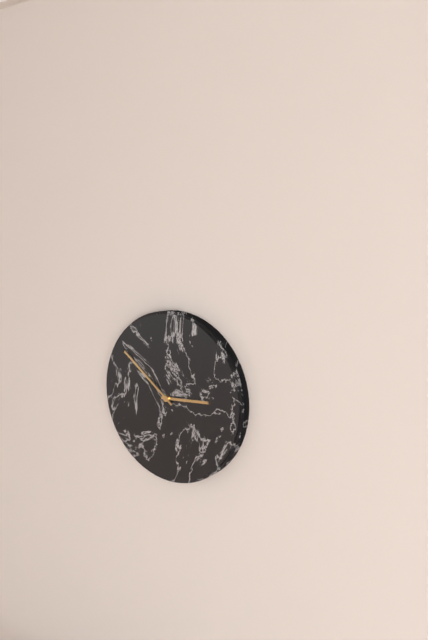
2:51
